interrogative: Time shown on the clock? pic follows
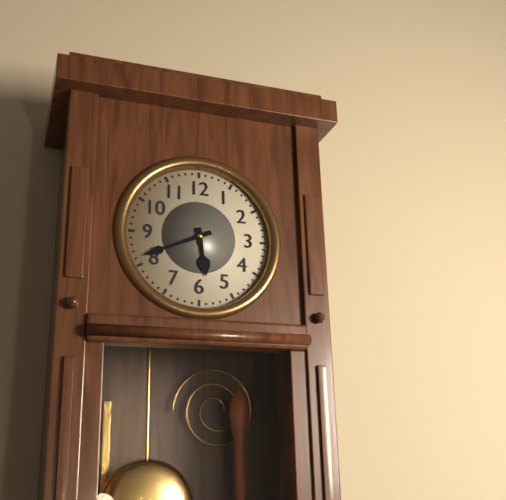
5:41
